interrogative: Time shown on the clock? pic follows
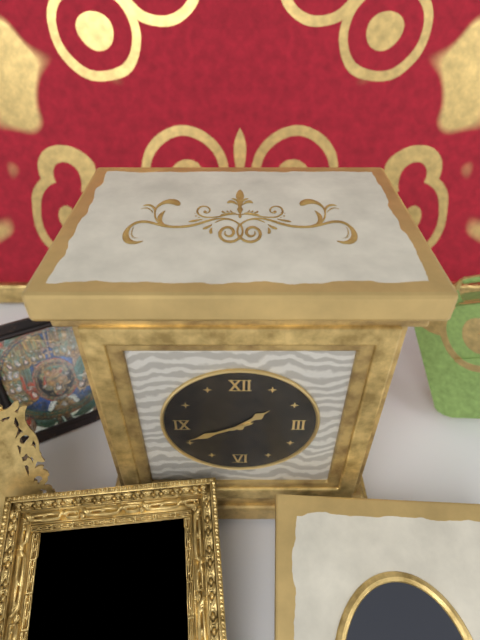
1:41
